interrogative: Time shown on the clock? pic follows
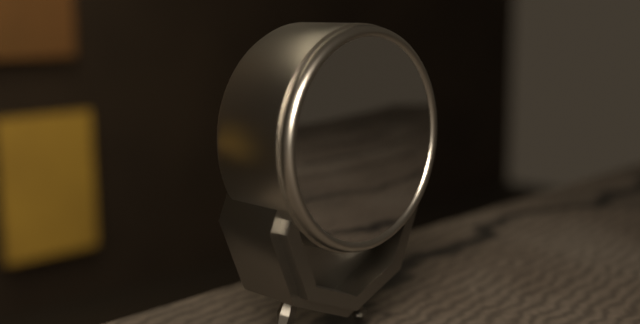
10:14
